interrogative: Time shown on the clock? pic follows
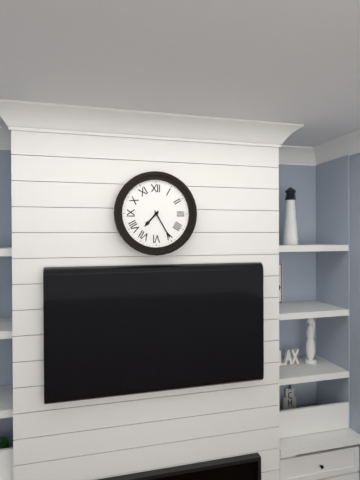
7:25
